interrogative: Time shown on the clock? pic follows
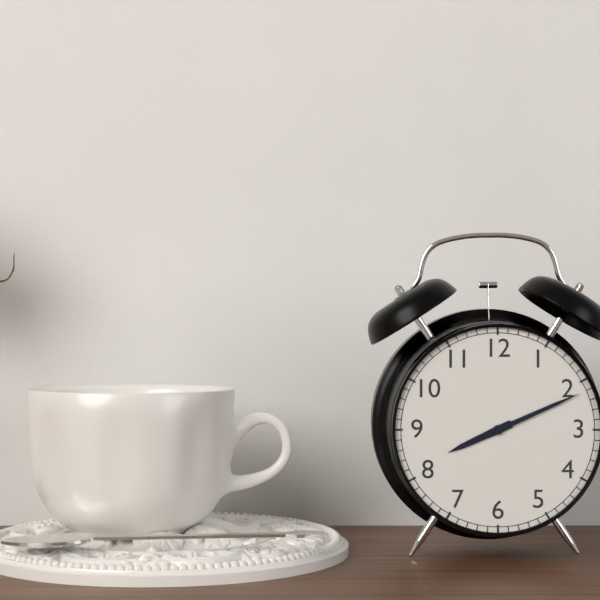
8:11
